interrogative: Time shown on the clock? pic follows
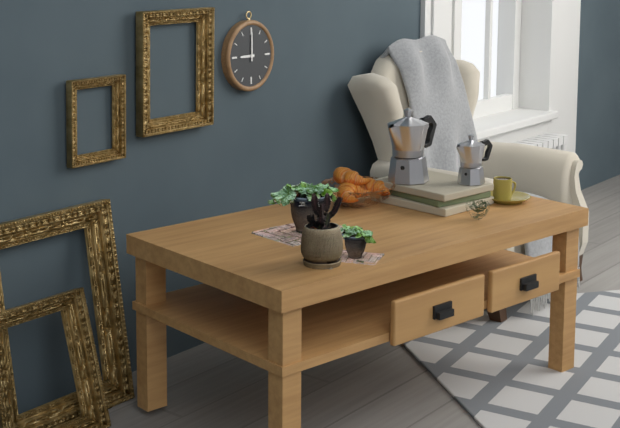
9:00
